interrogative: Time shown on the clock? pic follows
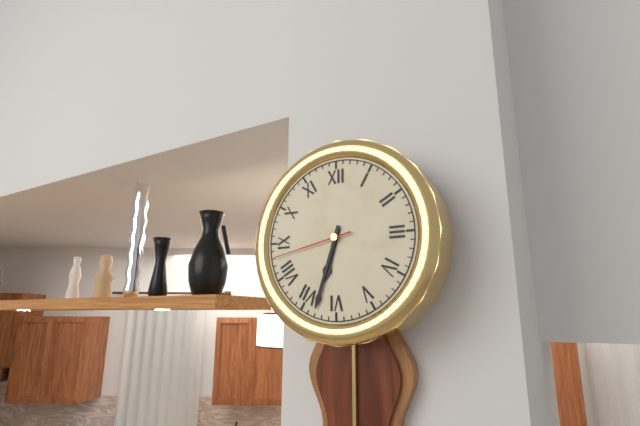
6:33:43
